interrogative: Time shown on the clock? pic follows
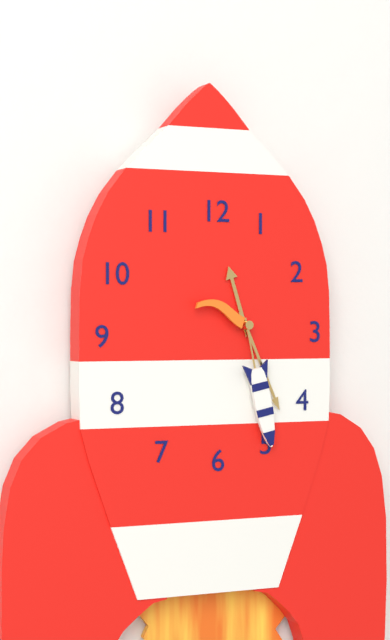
11:26:28
